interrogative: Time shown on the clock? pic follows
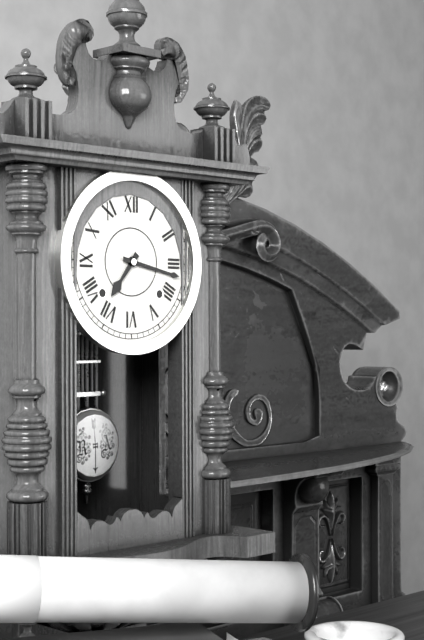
7:17
